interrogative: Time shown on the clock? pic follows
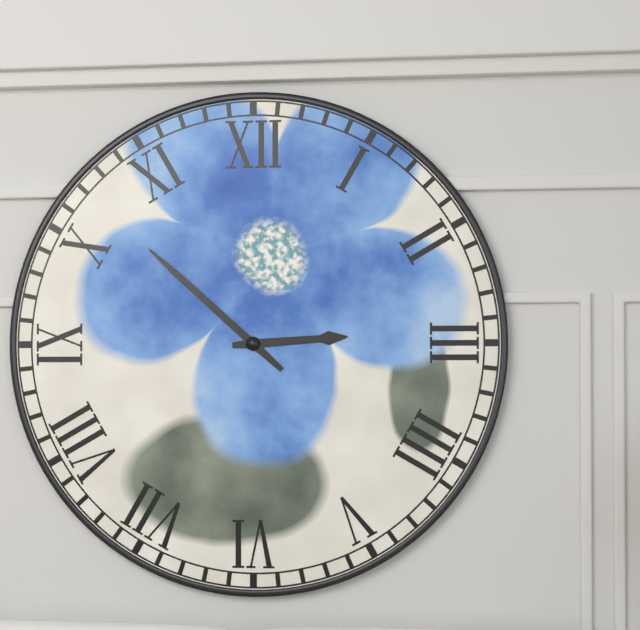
2:52
